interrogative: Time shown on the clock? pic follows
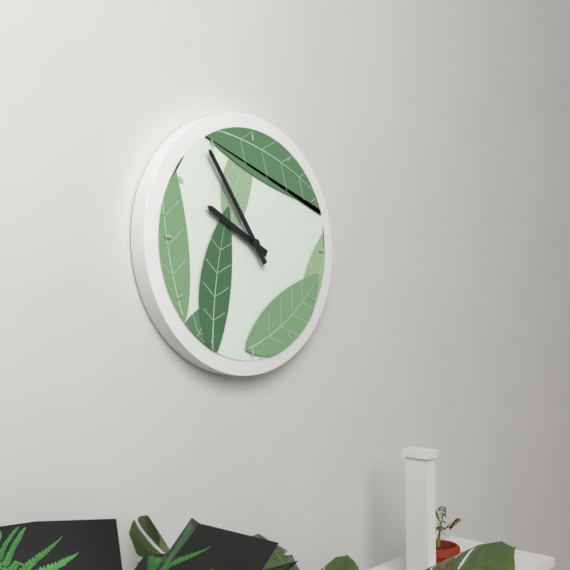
9:54
